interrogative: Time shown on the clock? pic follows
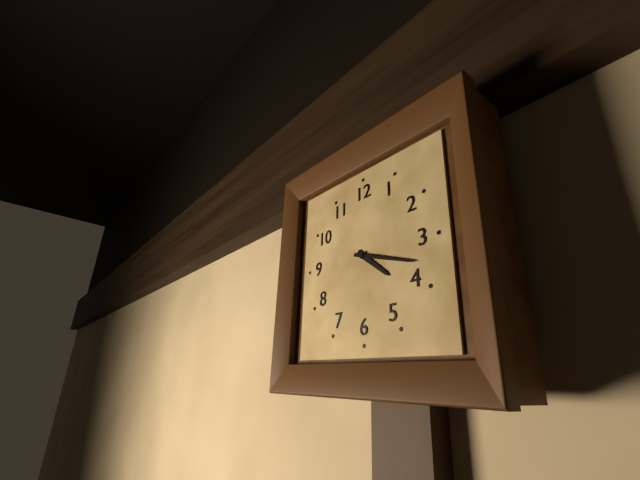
4:18
